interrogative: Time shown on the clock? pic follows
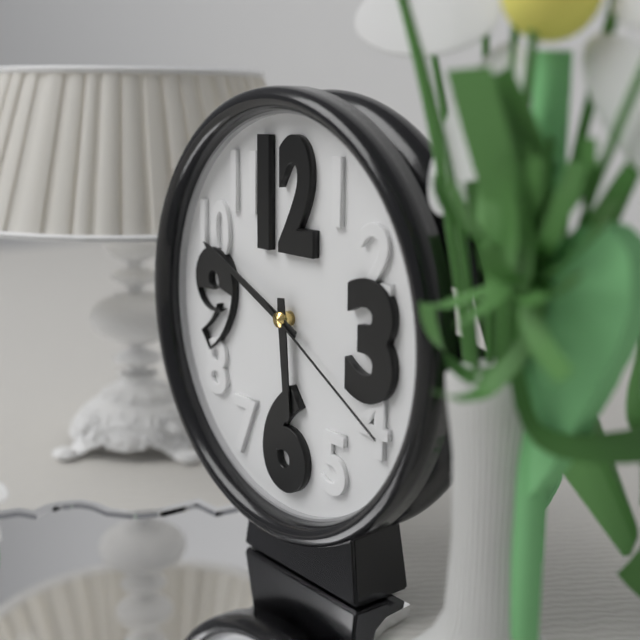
5:49:20
